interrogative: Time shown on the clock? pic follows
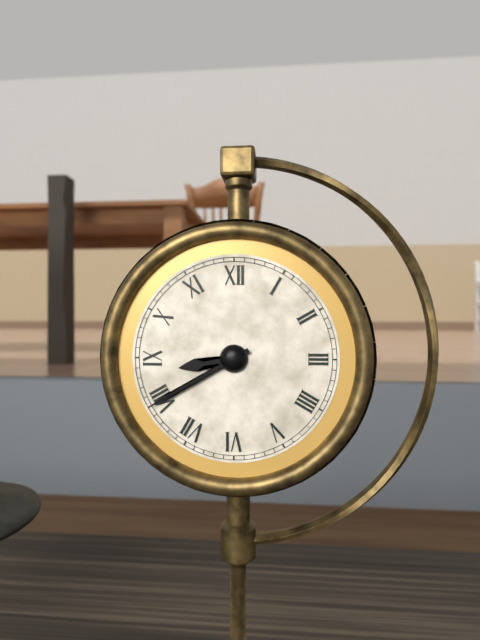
8:40
